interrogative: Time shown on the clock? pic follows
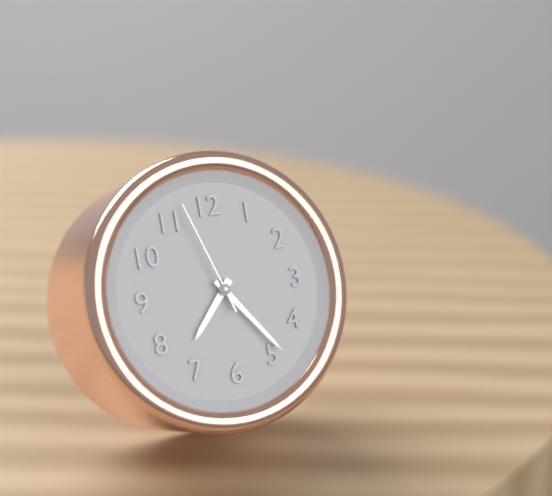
7:24:57
